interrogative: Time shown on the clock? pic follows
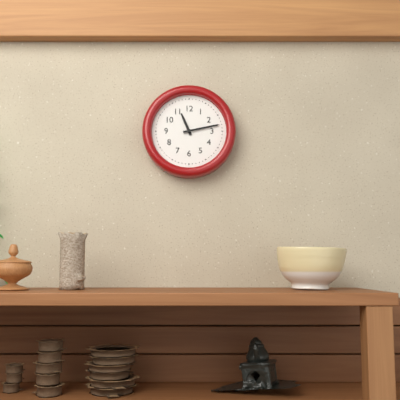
11:13
